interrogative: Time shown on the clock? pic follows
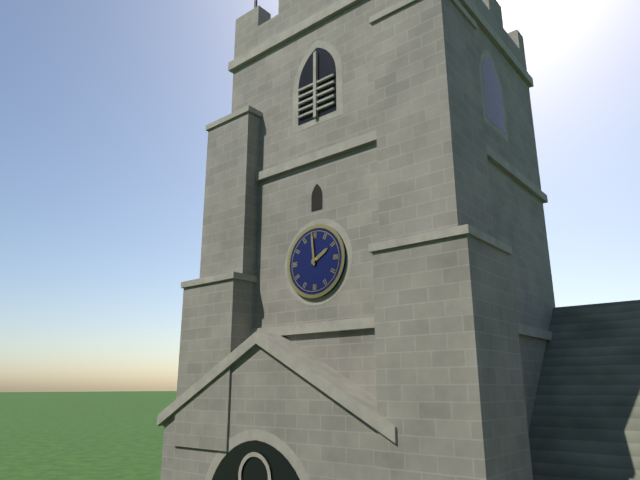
1:59
